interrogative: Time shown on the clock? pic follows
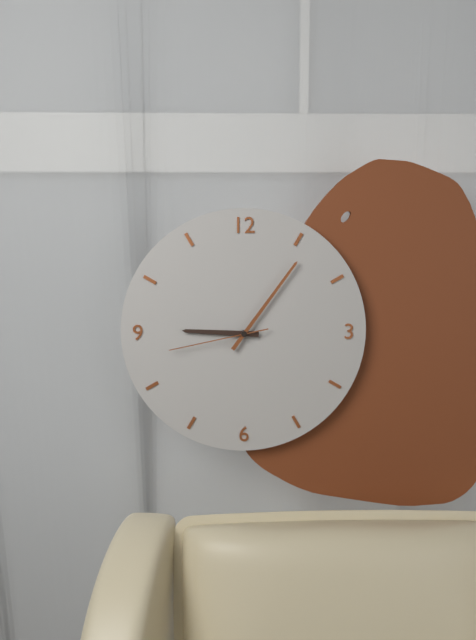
9:06:43
